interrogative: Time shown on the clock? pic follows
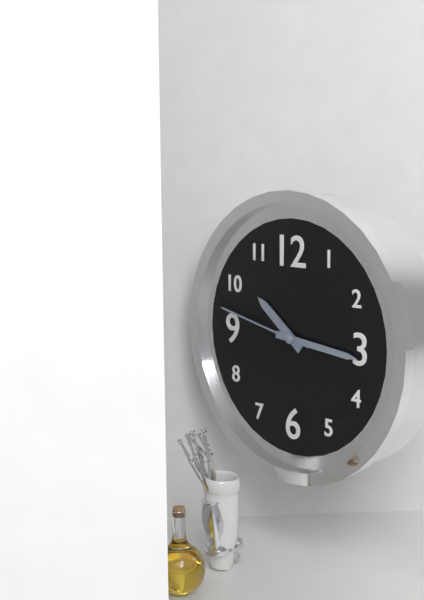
10:16:47
